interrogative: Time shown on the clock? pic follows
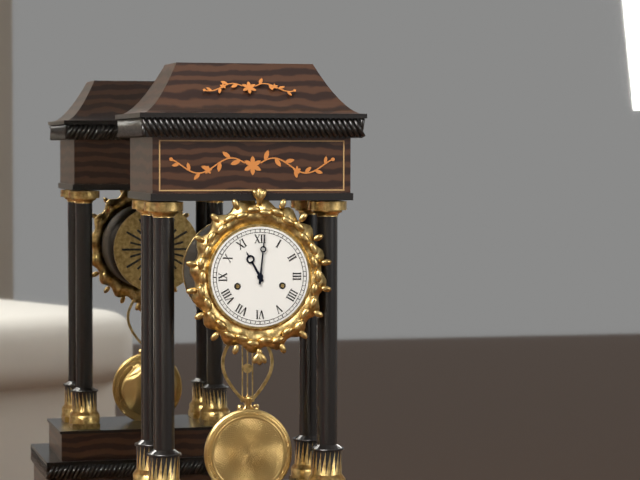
11:01
